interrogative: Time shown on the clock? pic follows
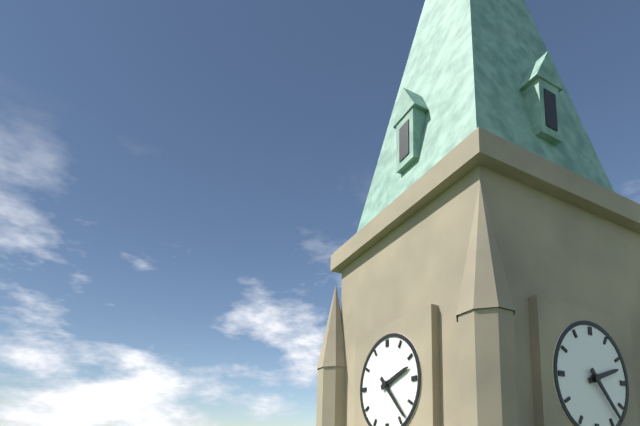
2:23
